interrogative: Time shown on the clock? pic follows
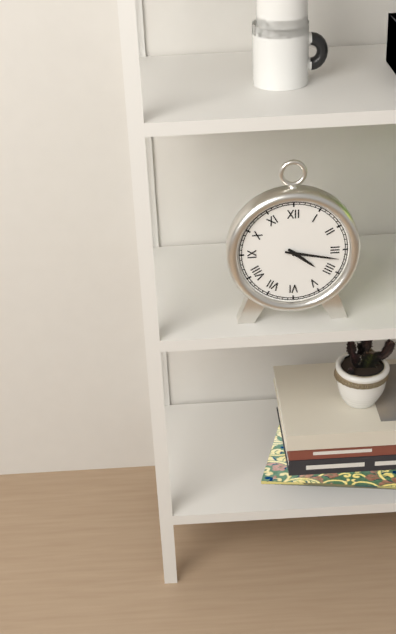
4:17
